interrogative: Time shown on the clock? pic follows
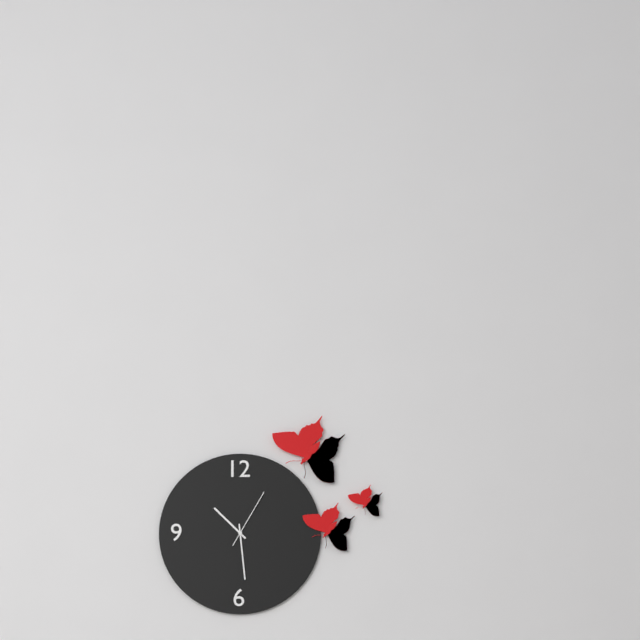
10:29:05
